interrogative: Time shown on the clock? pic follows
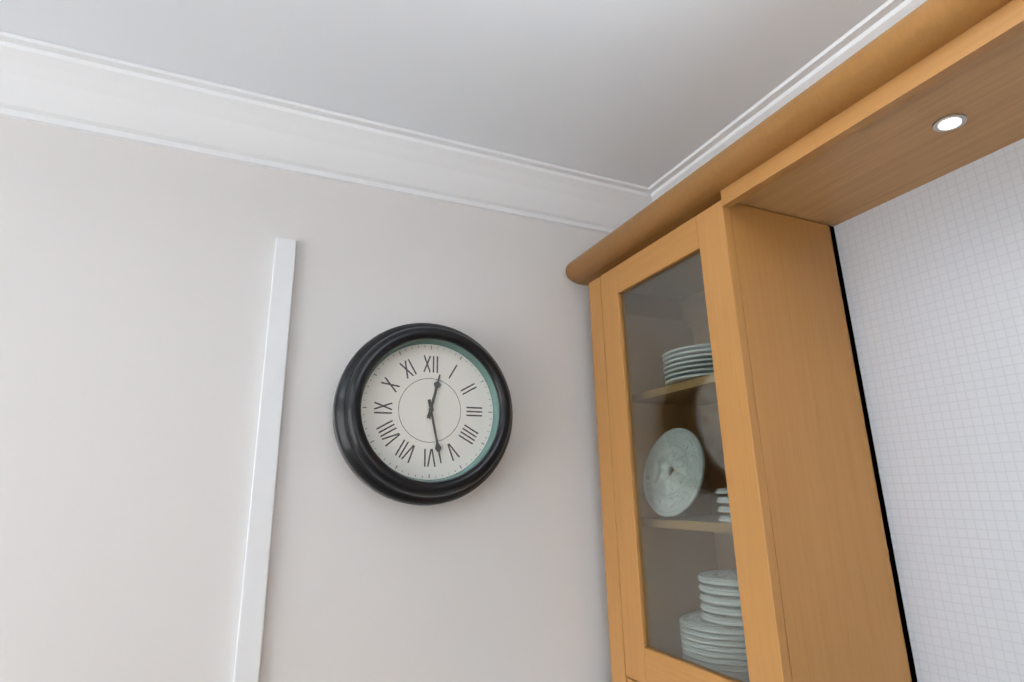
12:28
